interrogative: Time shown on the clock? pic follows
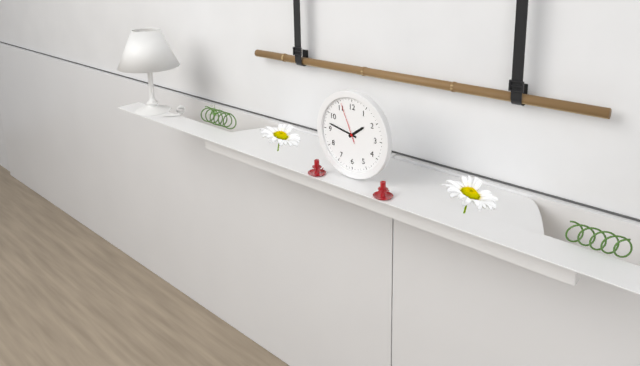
1:47
